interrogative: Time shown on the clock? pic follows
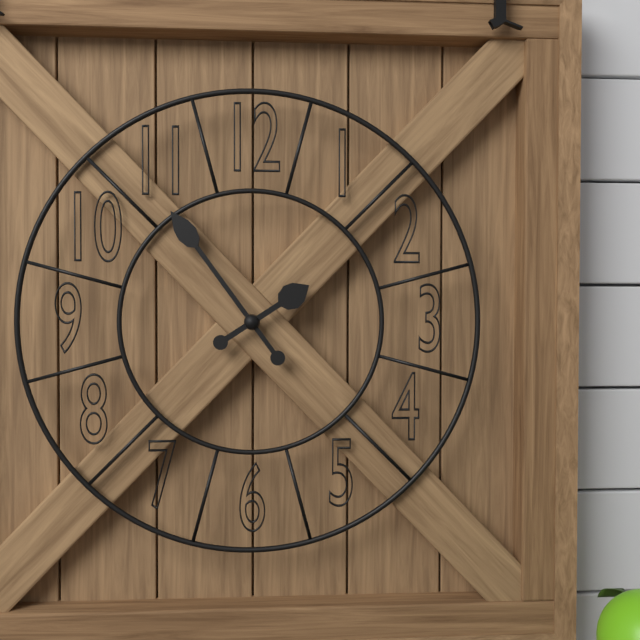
1:54
